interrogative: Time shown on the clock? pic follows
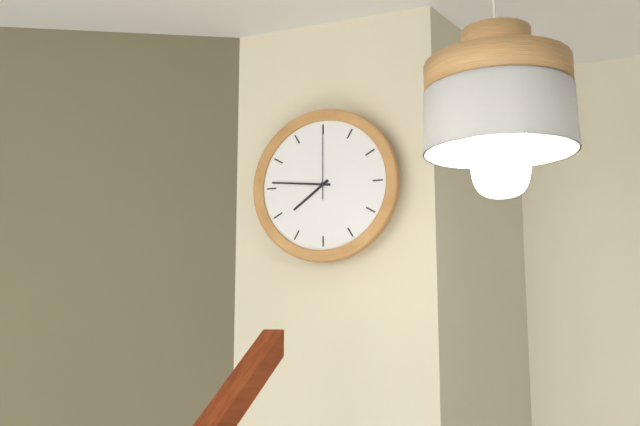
7:46:00
